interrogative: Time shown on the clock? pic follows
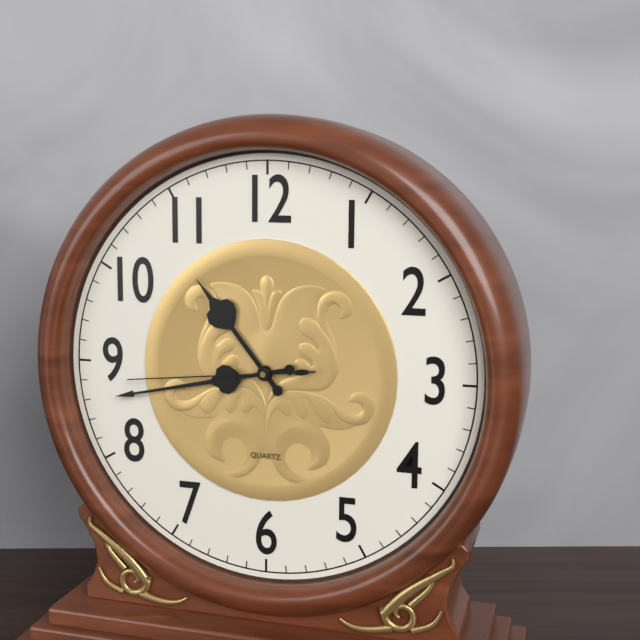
10:43:44
